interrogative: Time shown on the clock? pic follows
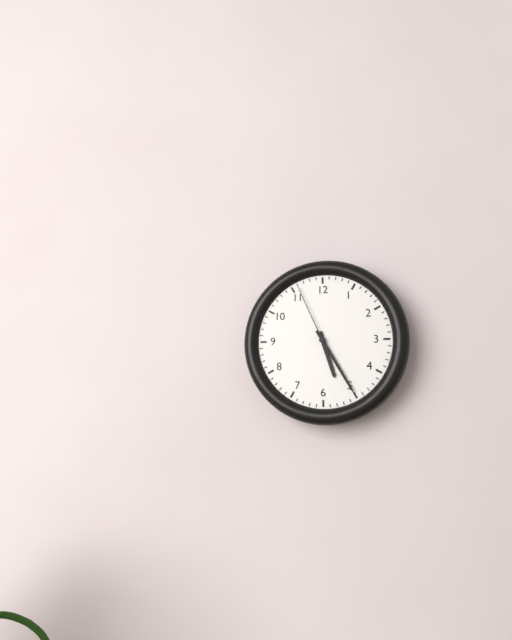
5:25:56
